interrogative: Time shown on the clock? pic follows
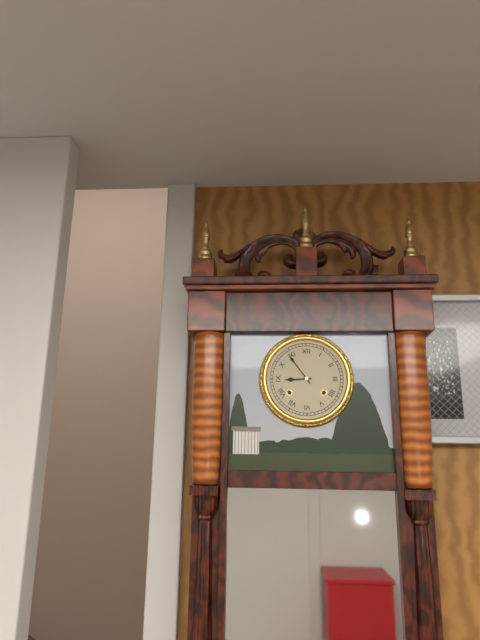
8:54
